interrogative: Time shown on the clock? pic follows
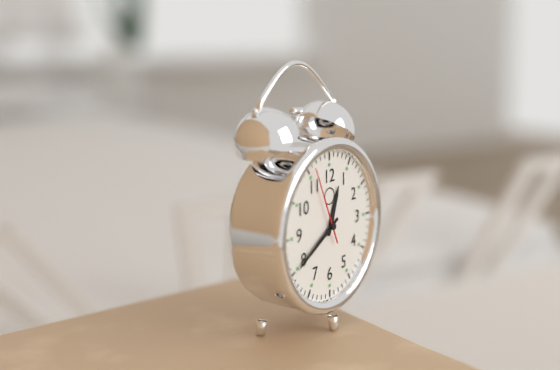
12:40:56
